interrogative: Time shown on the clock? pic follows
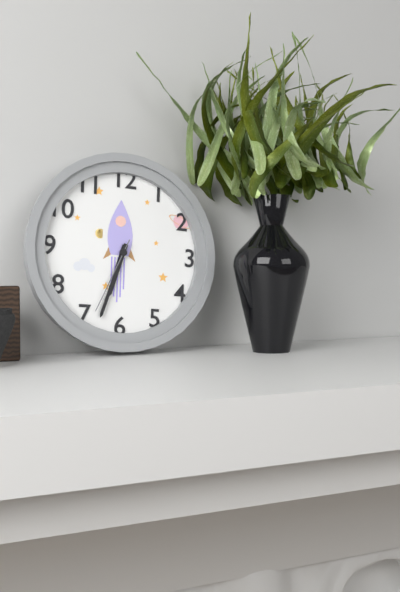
6:33:34
